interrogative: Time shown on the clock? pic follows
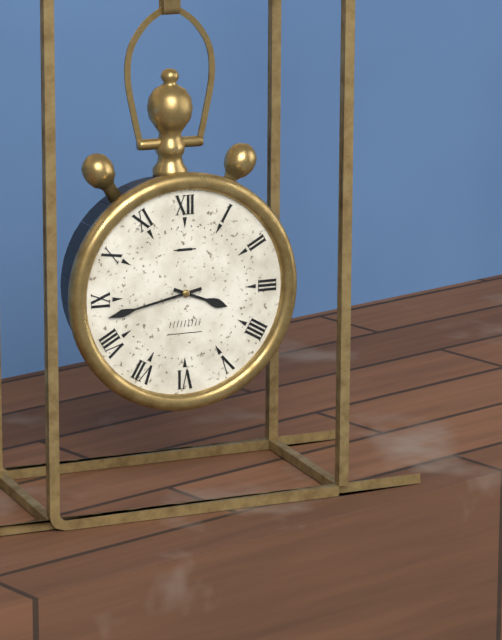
3:43
